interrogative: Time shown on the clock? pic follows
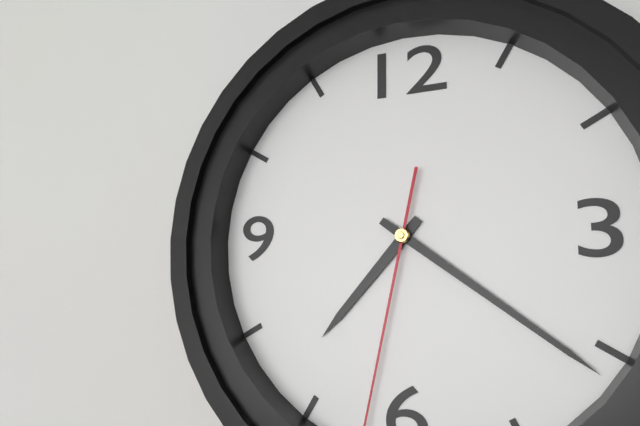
7:21
